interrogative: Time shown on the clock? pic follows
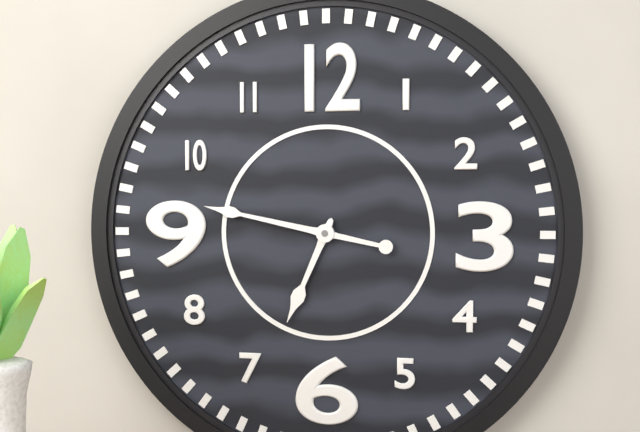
6:47
